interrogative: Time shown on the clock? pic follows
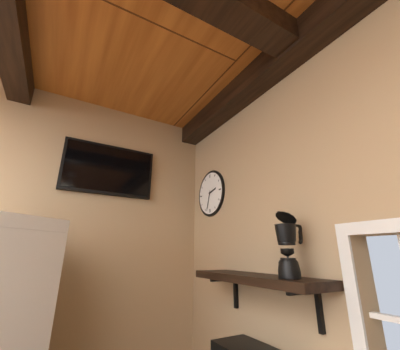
2:33
